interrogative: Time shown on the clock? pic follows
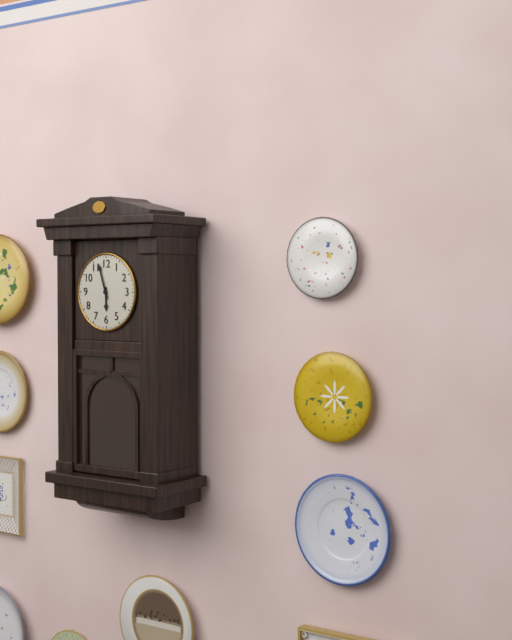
5:57
